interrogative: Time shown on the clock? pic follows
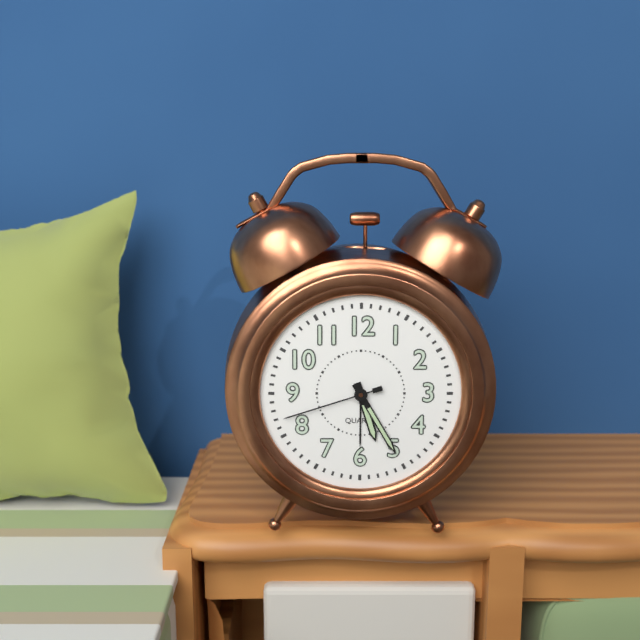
5:25:42
